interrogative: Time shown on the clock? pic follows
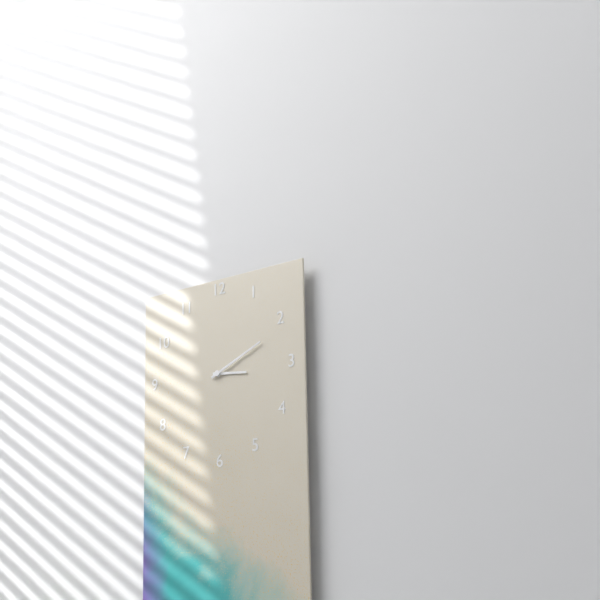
3:11
